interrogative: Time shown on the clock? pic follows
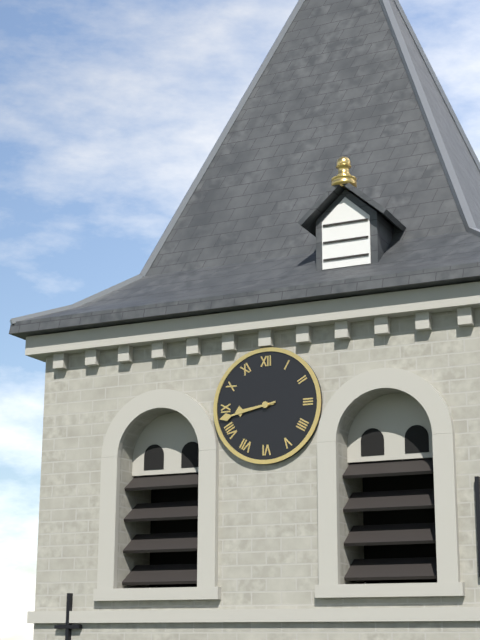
8:43
